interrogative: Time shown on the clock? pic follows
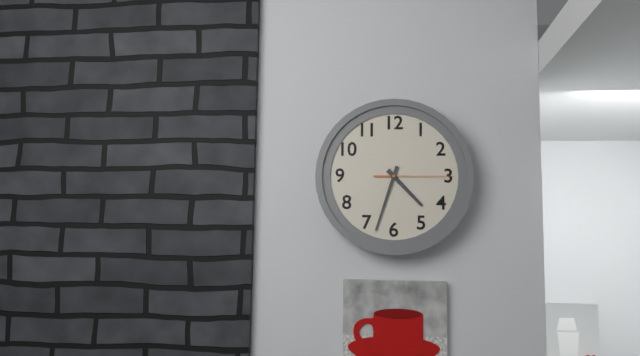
4:33:15
